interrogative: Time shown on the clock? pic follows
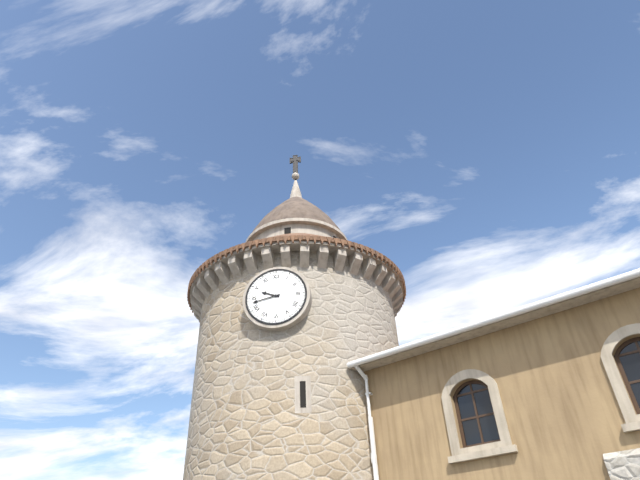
9:43
